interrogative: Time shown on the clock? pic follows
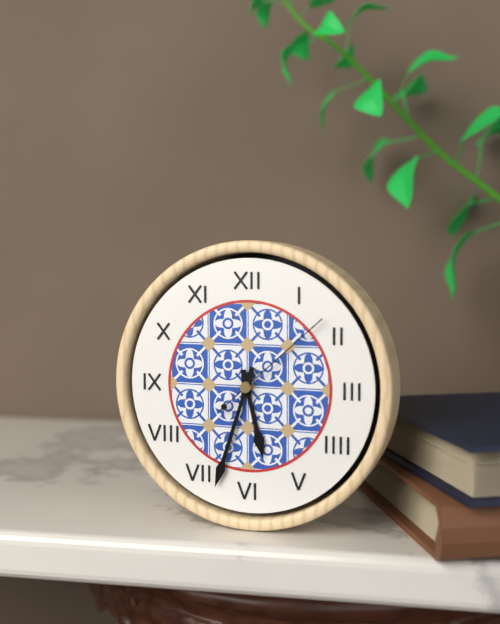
5:33:08
